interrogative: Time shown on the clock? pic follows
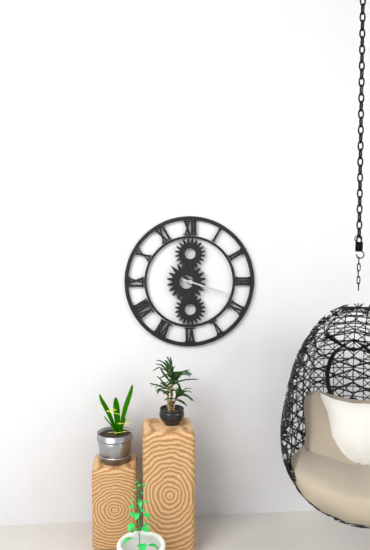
10:18
